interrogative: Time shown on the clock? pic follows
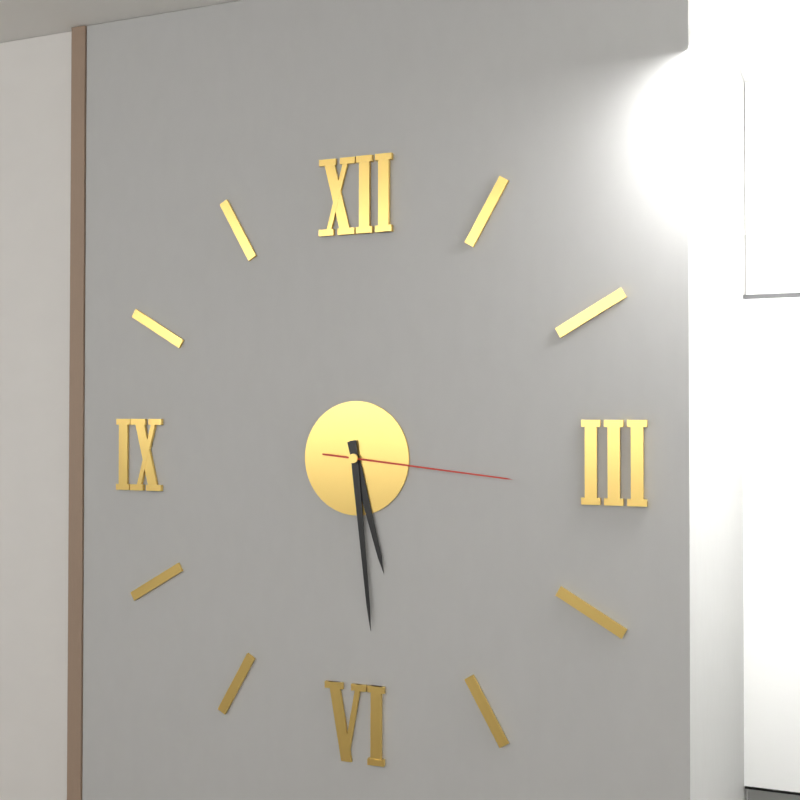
5:29:16
